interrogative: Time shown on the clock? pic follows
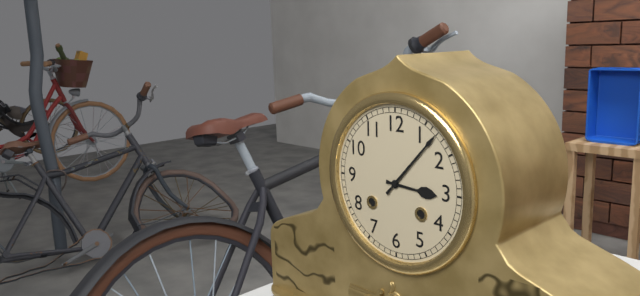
3:07
